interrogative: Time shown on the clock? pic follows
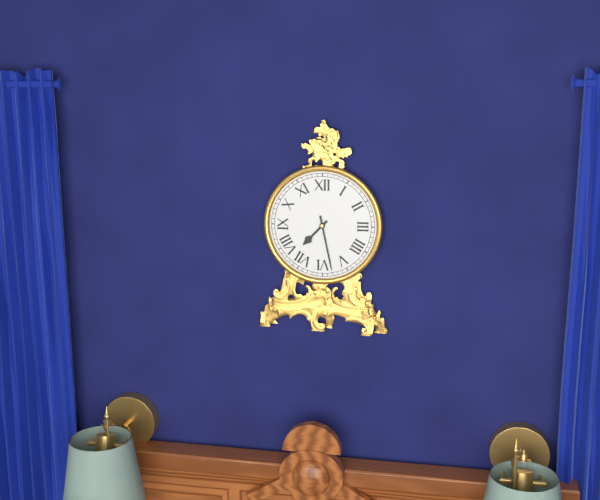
7:28
